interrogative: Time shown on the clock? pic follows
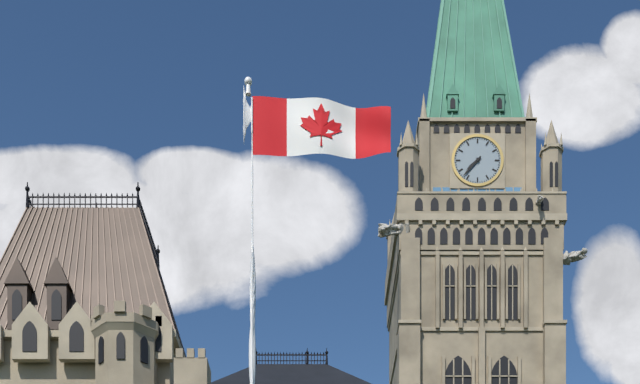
7:37
